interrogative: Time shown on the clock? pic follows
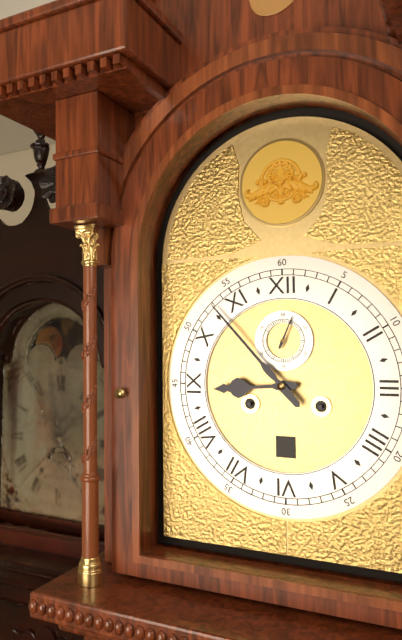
8:53
